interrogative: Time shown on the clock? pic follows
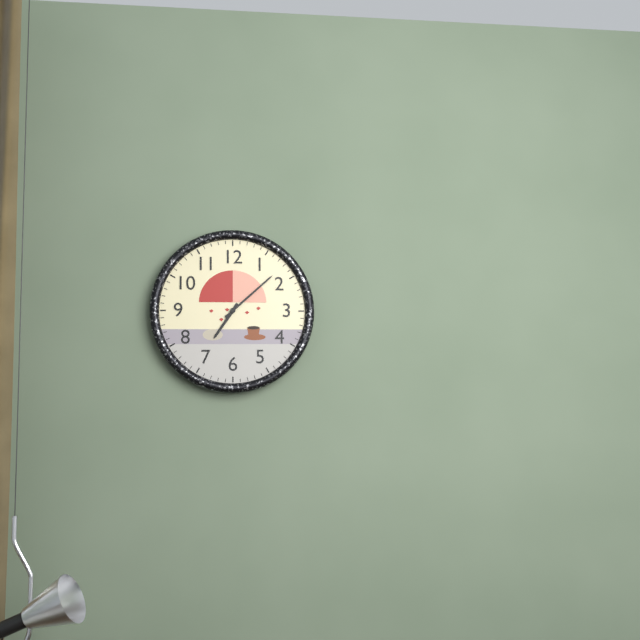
7:08
